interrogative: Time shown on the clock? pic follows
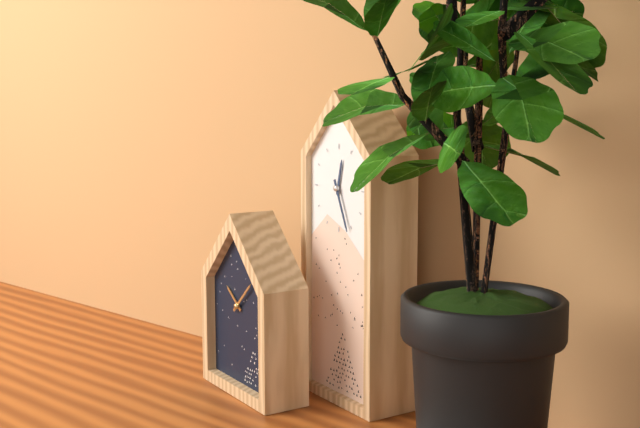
12:26
